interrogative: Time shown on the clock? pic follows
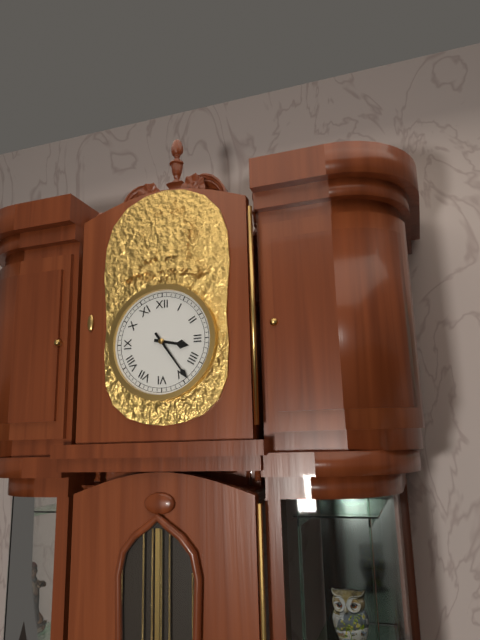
3:24
